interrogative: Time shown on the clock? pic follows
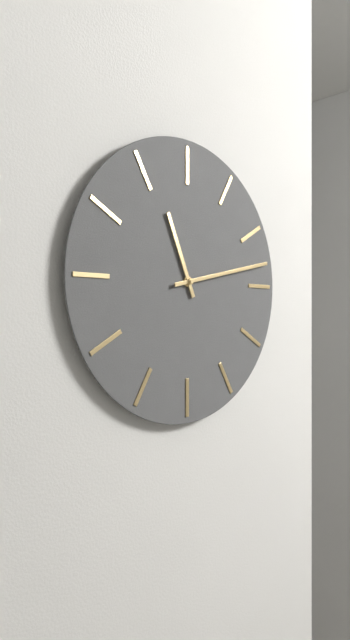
11:13
